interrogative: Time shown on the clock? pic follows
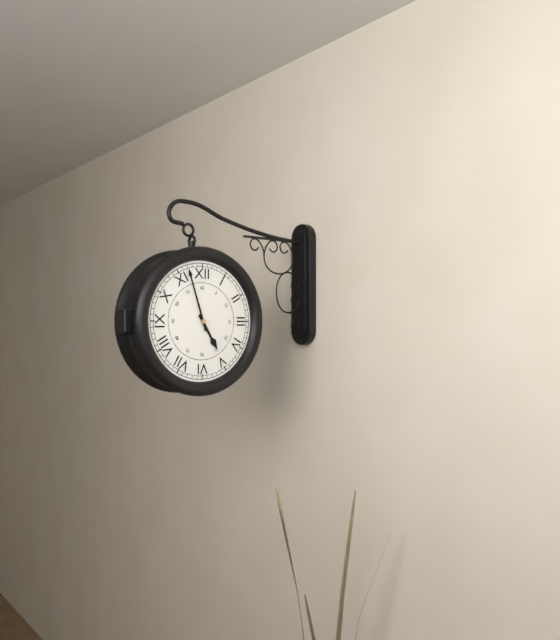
4:57
